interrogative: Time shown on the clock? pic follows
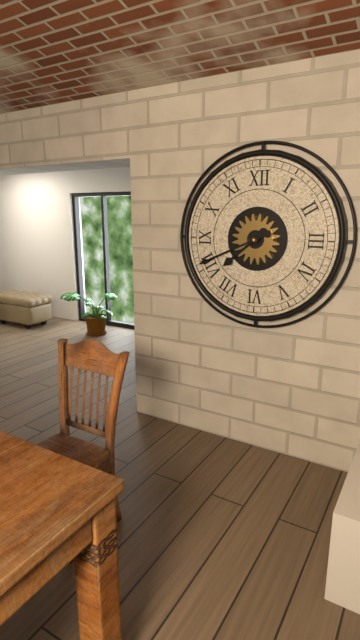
7:41
